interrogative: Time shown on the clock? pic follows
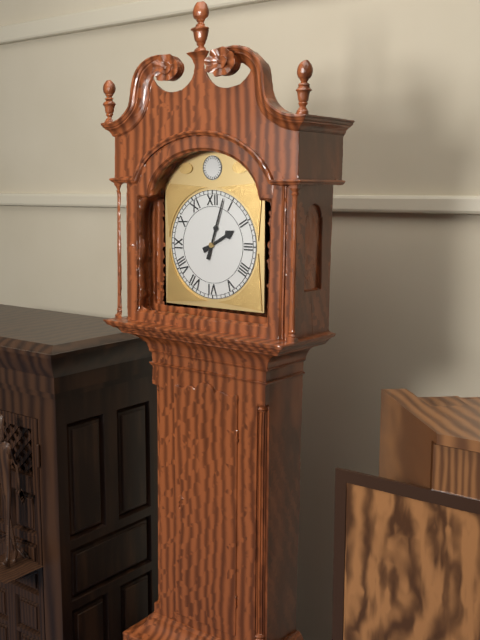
2:03
